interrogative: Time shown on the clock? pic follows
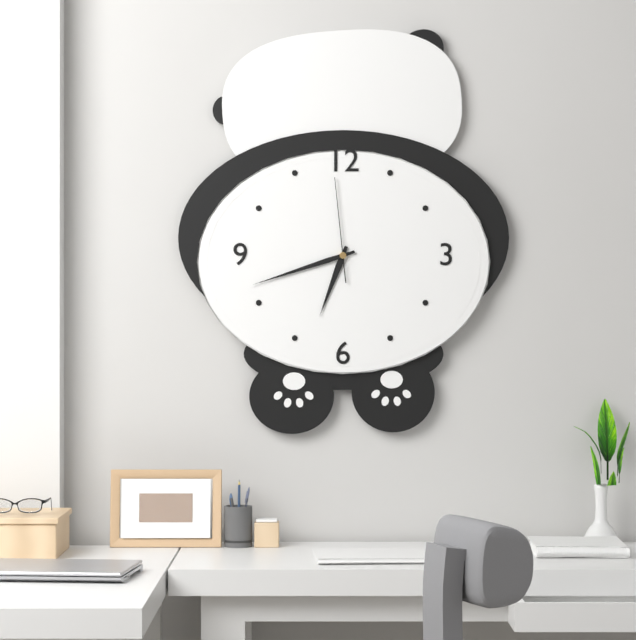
6:42:59
